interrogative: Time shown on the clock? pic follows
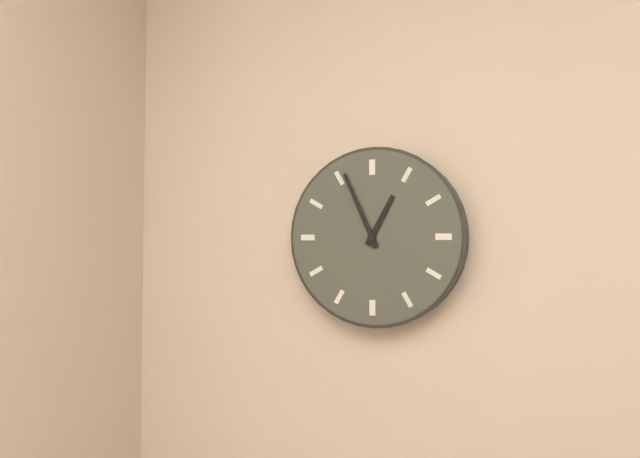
12:56
